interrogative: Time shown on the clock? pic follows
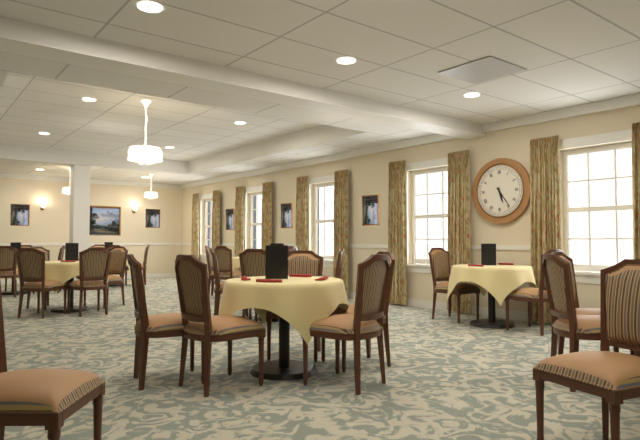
5:24
